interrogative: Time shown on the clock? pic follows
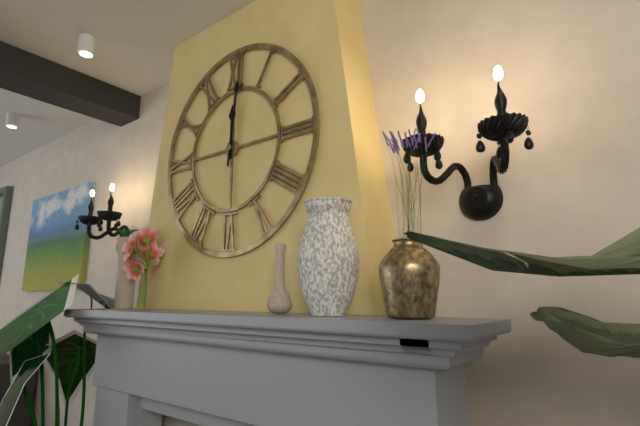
12:01
